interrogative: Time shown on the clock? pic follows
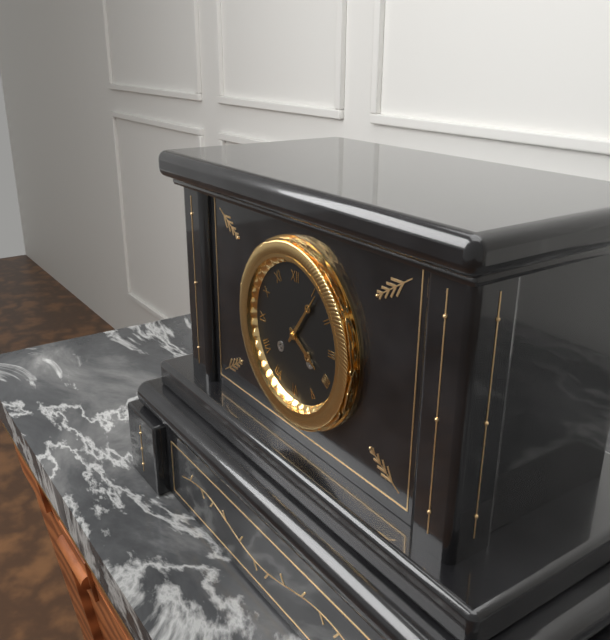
4:06
